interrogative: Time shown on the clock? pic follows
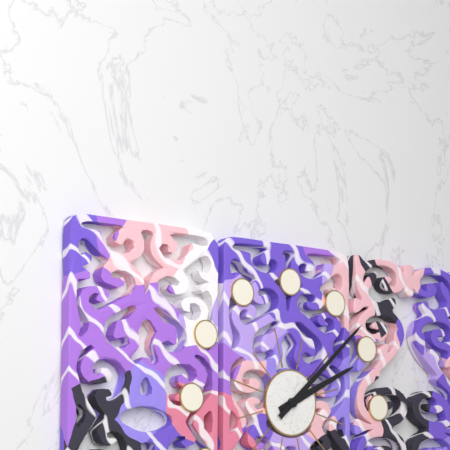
2:08
